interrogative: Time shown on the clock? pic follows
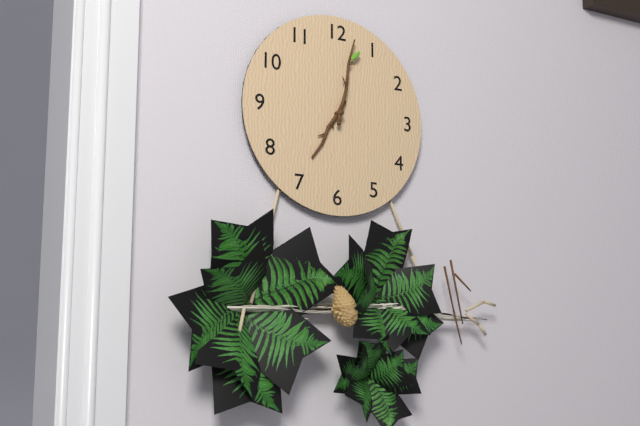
7:02
